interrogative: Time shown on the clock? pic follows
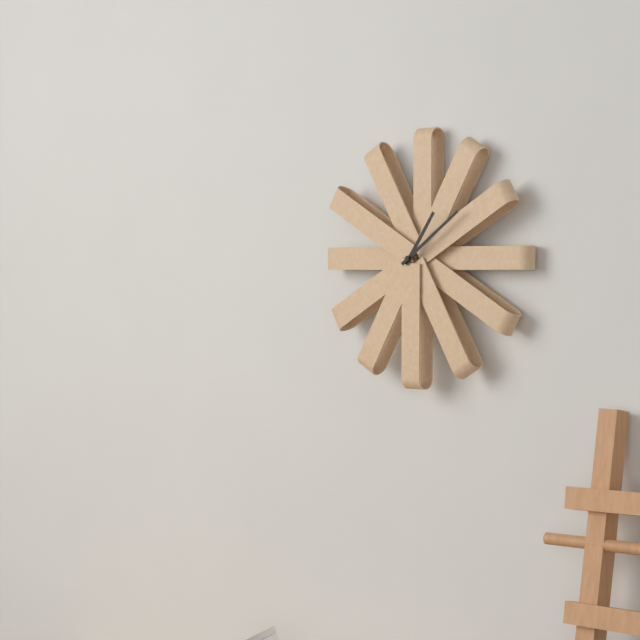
1:09
